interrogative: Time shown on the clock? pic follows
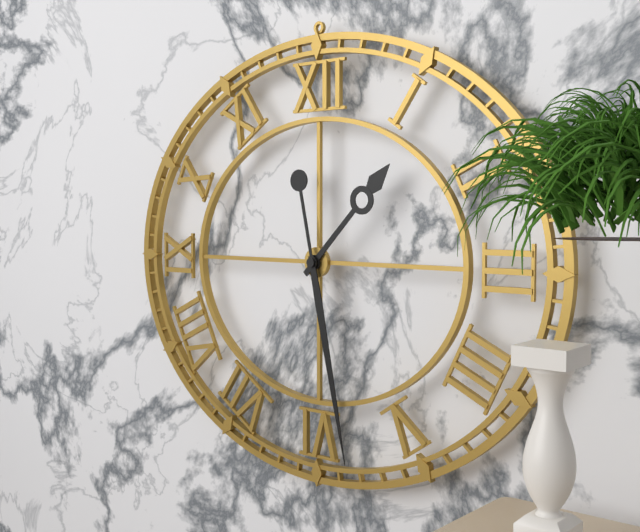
1:28
